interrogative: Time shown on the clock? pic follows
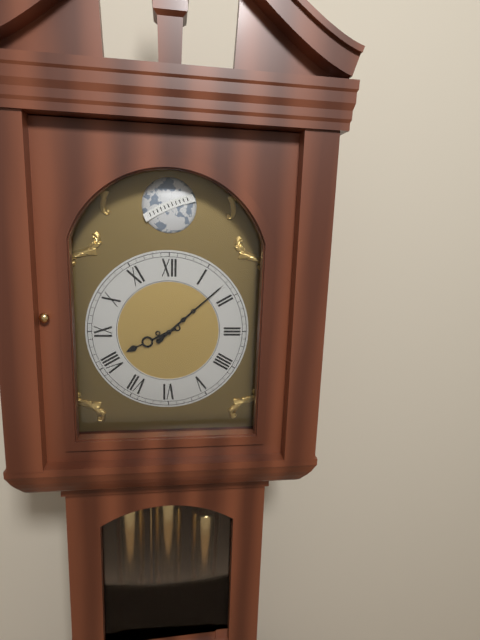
8:08
